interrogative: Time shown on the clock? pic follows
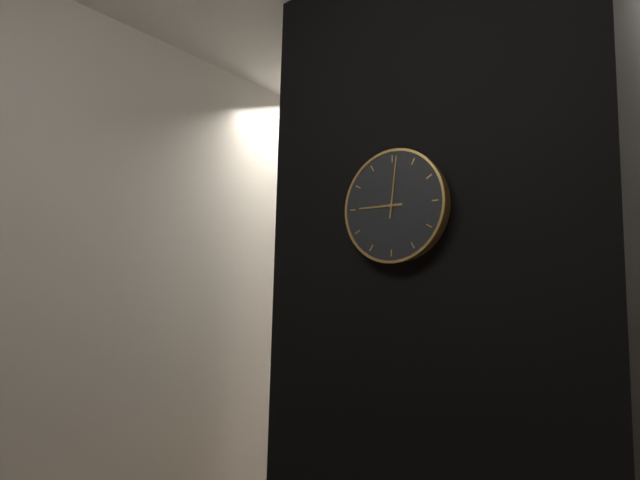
9:01
